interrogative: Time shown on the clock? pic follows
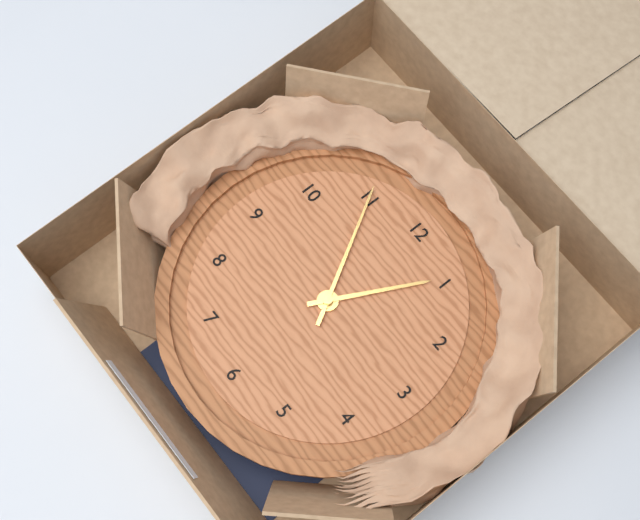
12:55
